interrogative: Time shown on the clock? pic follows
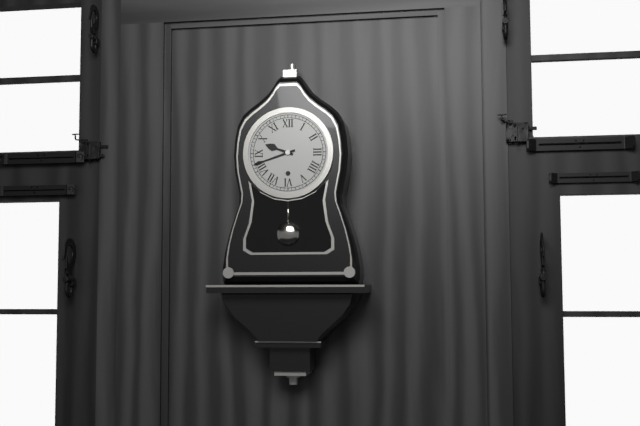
9:42
